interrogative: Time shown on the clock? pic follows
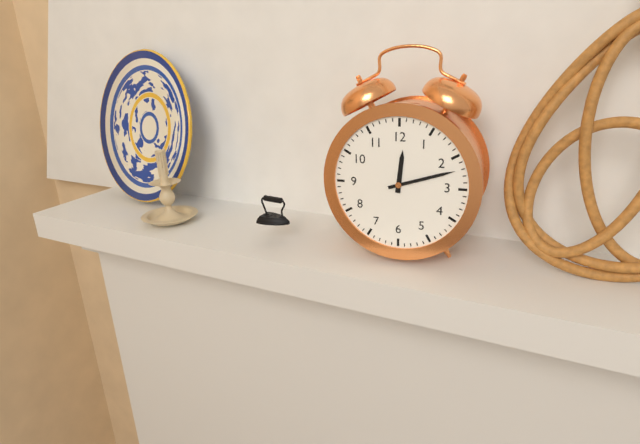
12:12
